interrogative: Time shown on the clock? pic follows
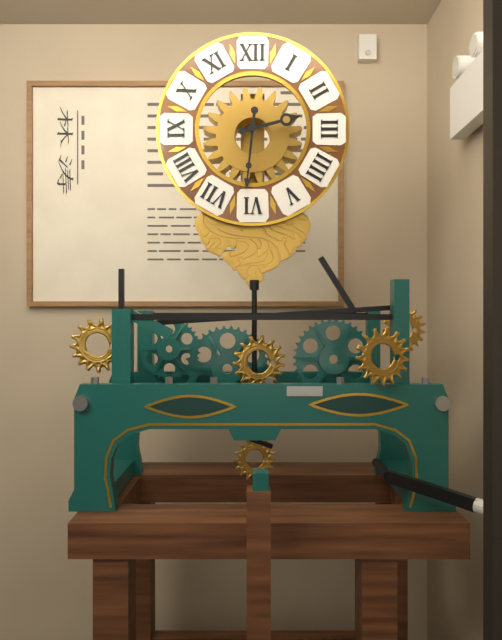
2:31
